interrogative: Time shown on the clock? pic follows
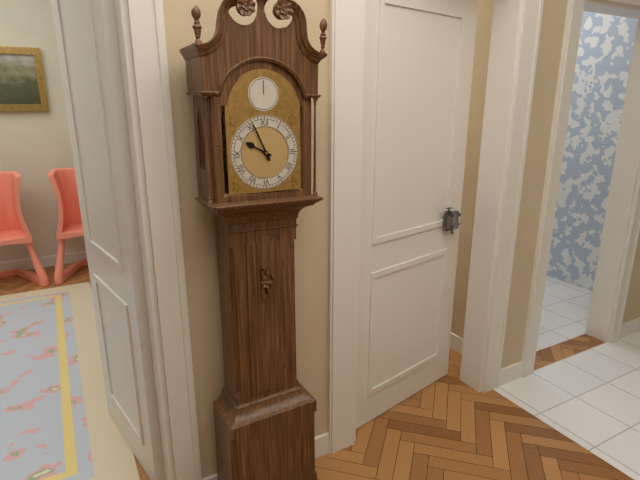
9:56
